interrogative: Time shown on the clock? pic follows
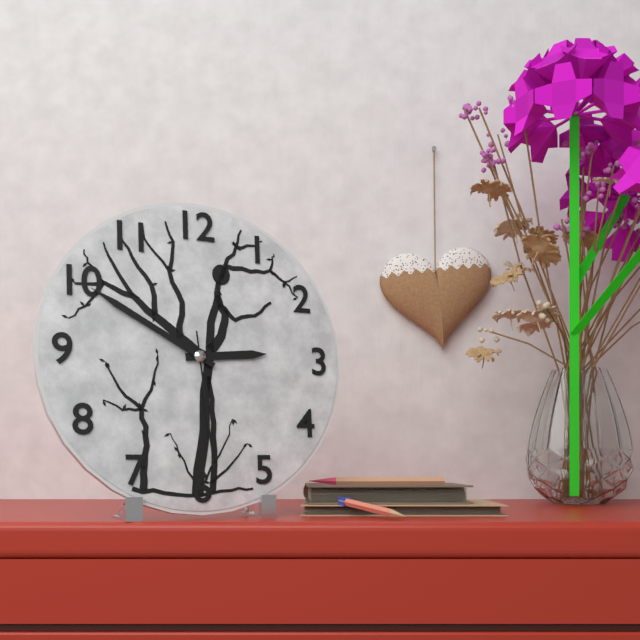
2:50:29
